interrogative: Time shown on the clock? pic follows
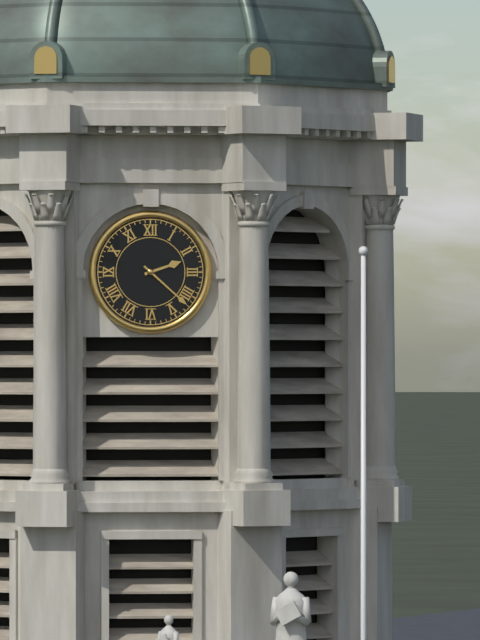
2:22
